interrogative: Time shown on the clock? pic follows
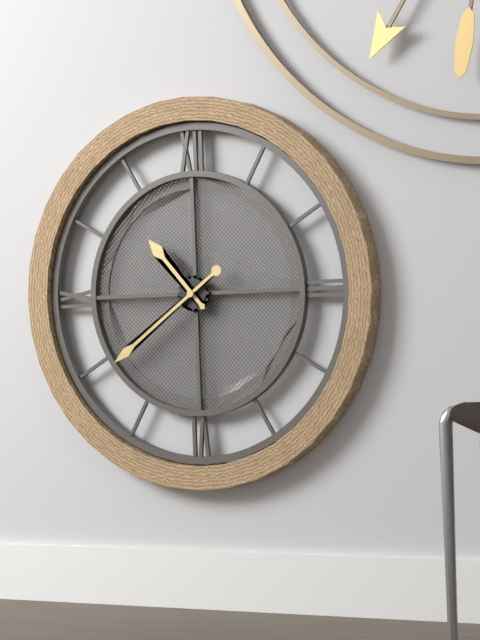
10:39
